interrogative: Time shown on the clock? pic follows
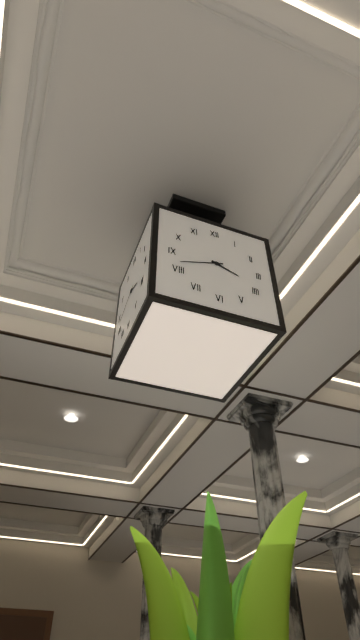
3:42
